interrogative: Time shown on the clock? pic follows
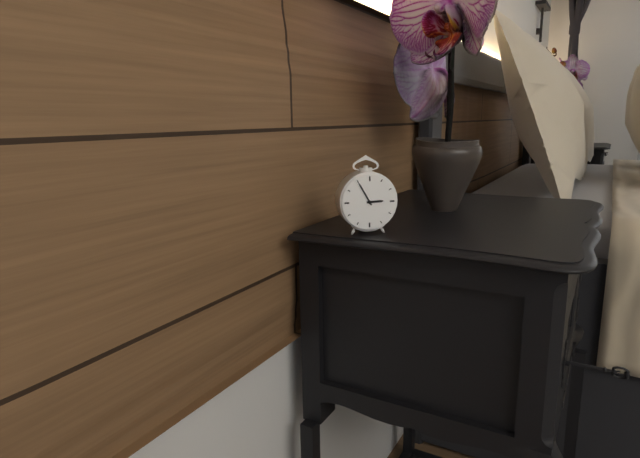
2:55
